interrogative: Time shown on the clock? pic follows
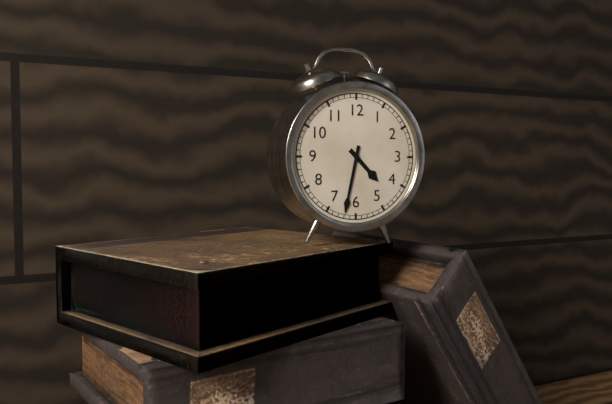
4:32
